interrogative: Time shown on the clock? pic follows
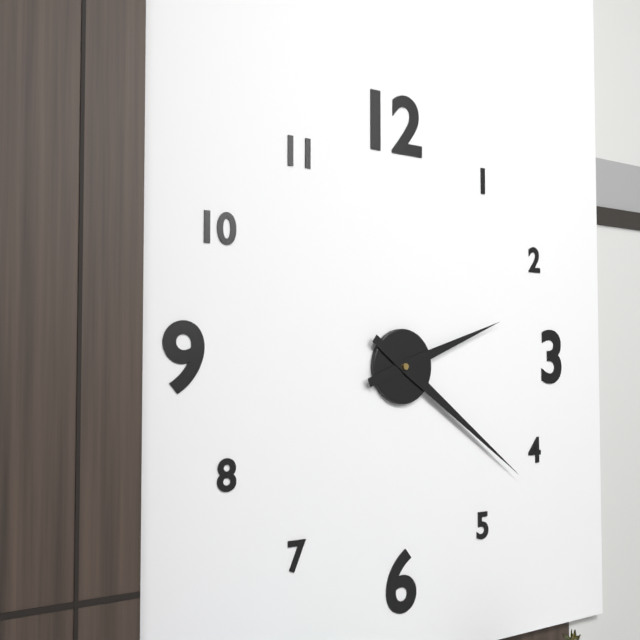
2:21
